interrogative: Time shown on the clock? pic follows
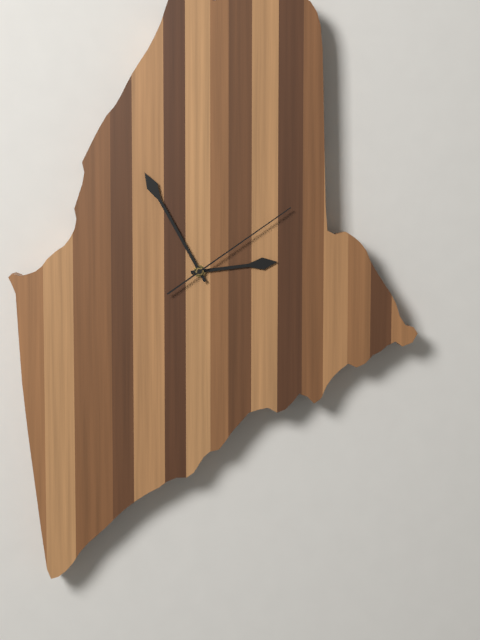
2:56:10
